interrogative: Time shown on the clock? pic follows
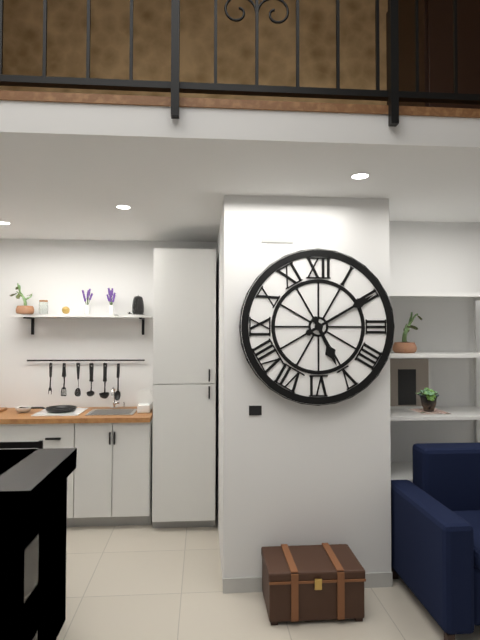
5:10
